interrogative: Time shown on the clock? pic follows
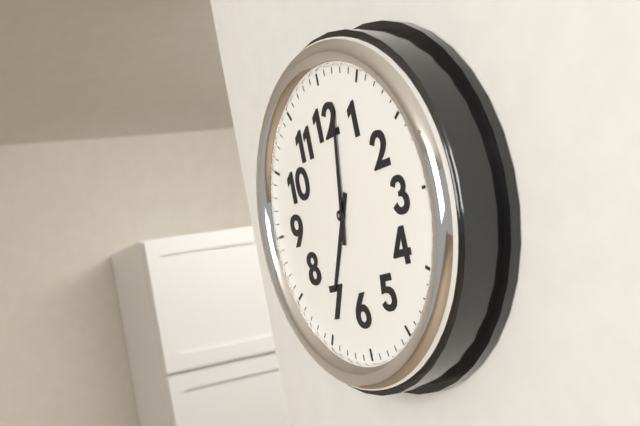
7:02
